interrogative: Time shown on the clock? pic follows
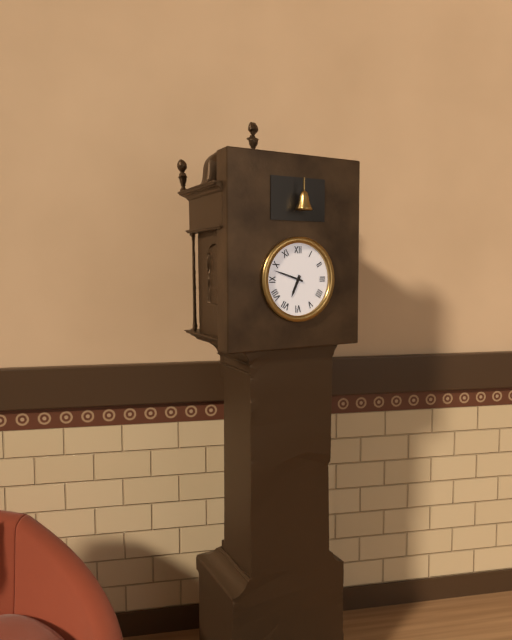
6:48
